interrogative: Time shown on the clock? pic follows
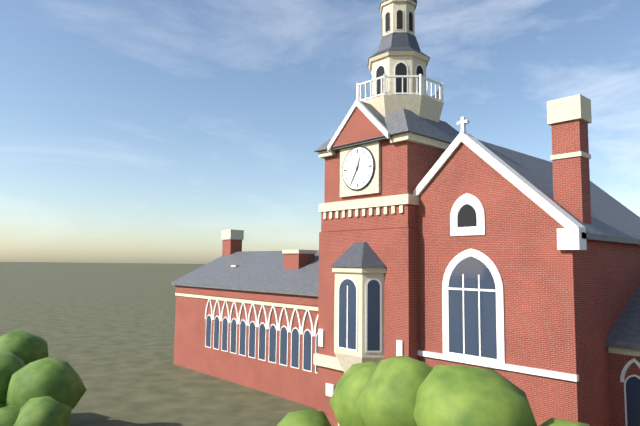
12:35
